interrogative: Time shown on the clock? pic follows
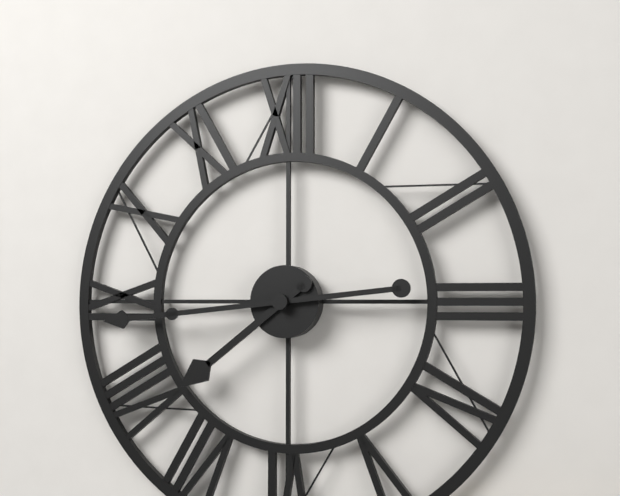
7:44
